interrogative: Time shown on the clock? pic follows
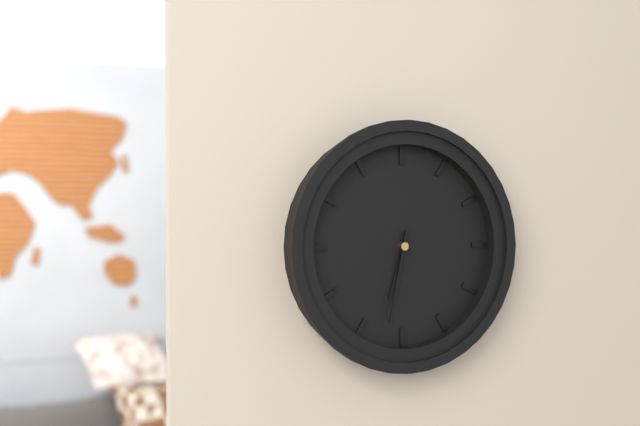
6:32
